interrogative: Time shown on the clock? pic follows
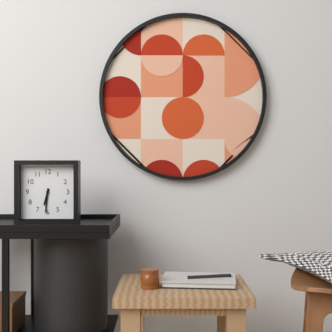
6:31
